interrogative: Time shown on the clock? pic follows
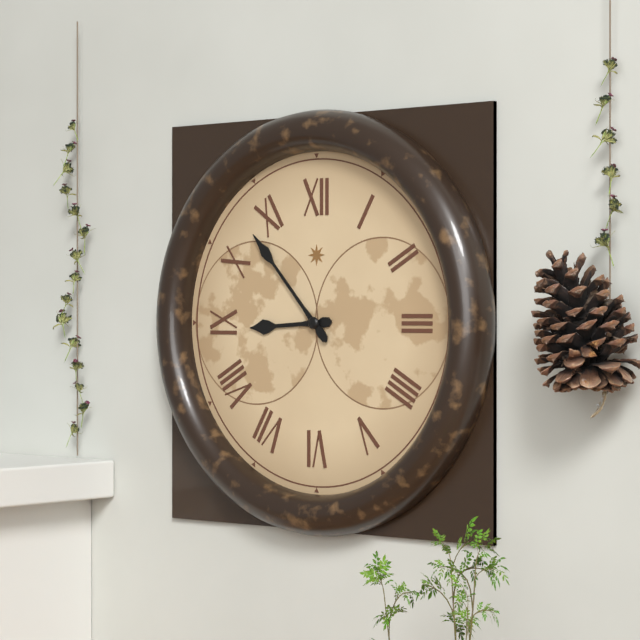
8:53
